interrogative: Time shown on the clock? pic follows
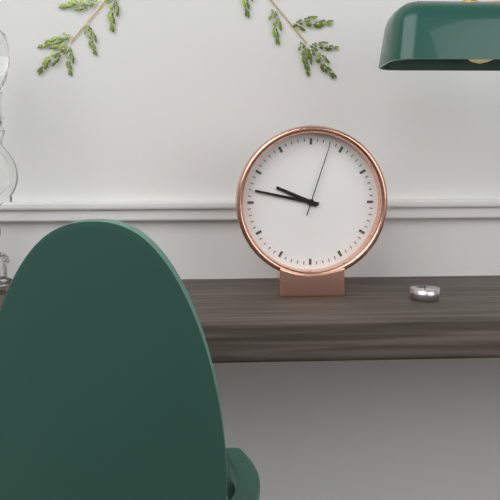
9:47:03
